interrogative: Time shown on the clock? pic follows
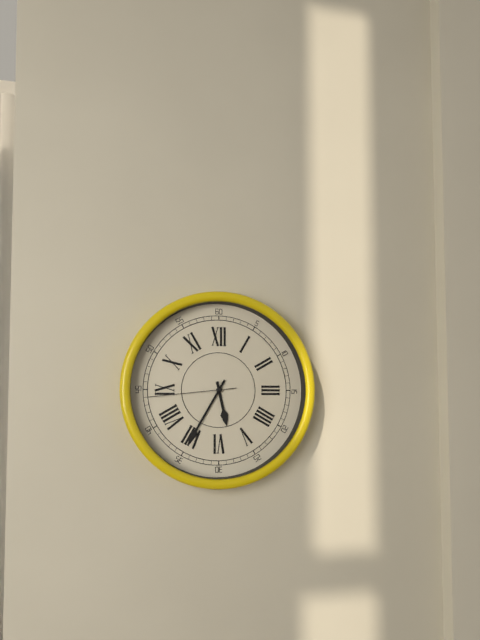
5:35:44
